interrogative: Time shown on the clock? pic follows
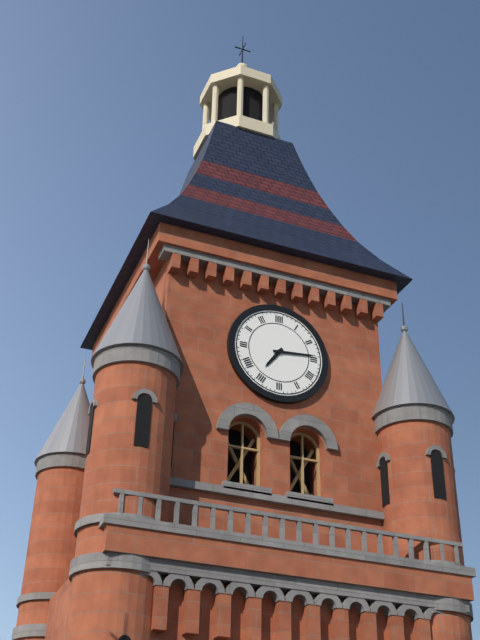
7:14
